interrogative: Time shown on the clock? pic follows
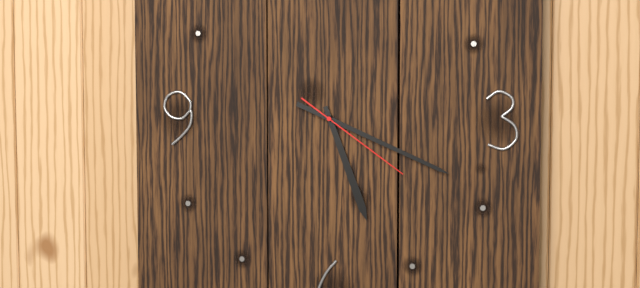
5:19:21
